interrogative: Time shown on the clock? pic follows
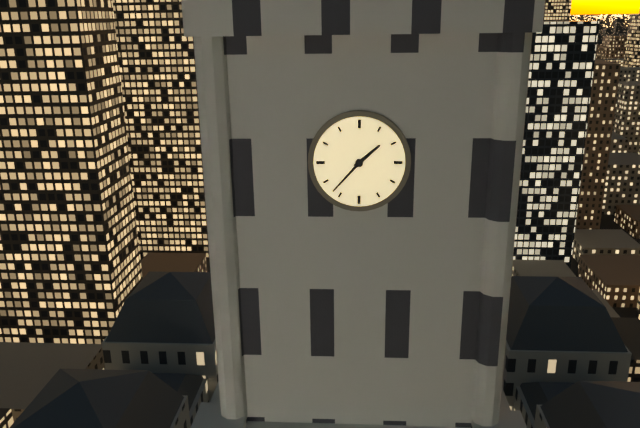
1:37
